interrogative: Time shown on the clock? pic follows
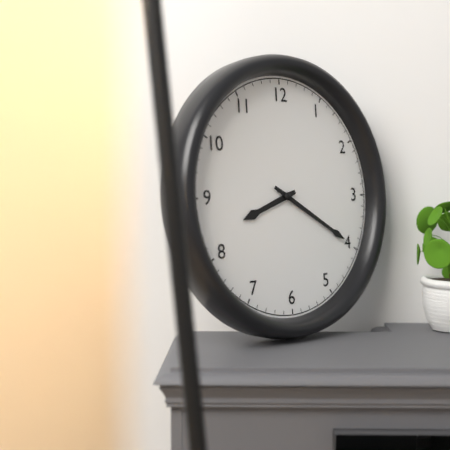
8:20
